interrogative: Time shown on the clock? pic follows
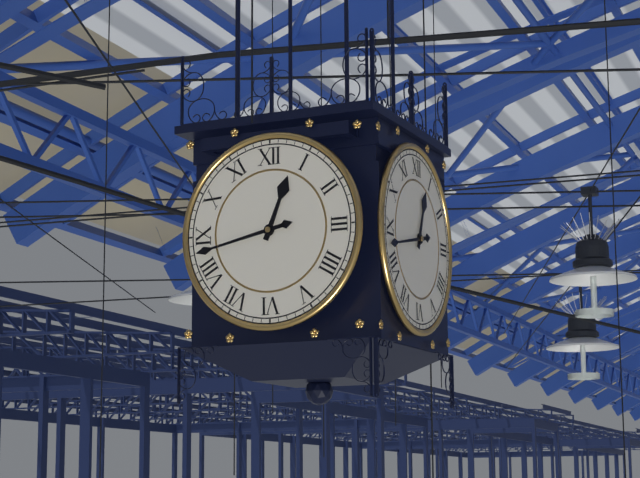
12:43
